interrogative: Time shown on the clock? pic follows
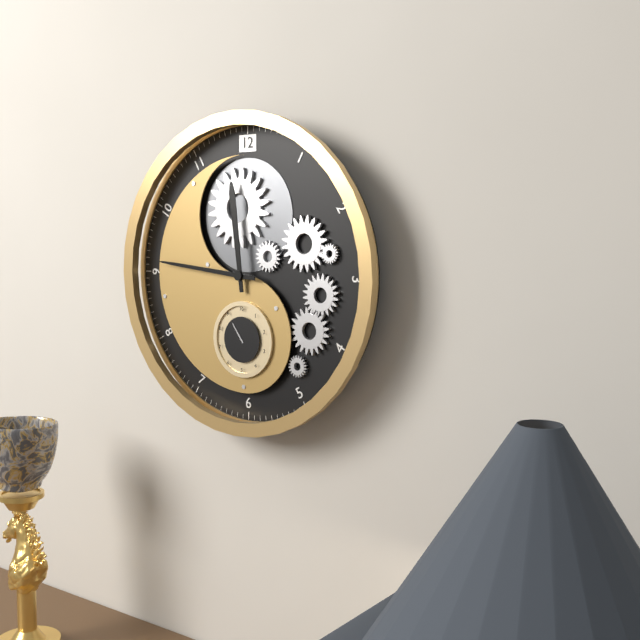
11:46
